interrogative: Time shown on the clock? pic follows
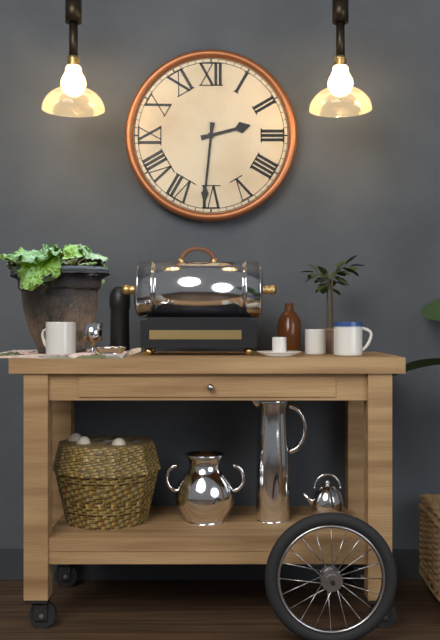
2:31
